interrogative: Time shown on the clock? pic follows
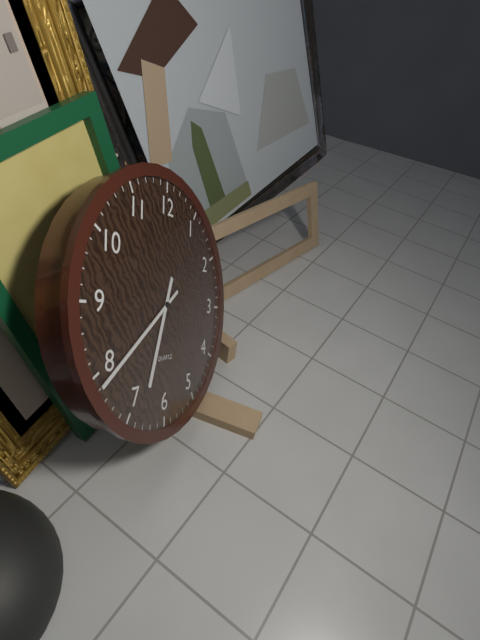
6:39
